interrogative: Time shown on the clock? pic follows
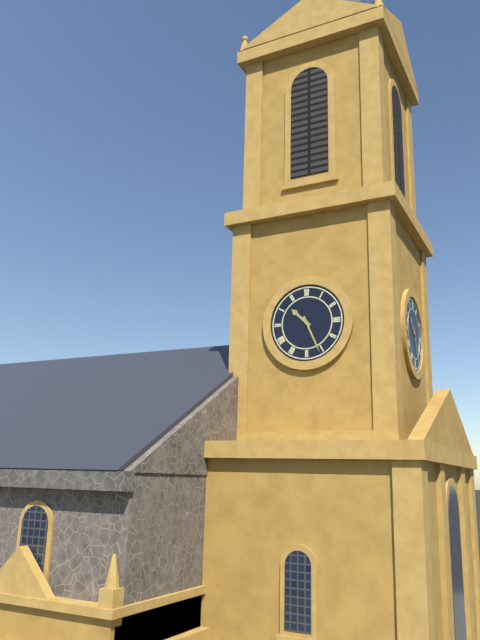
10:26
